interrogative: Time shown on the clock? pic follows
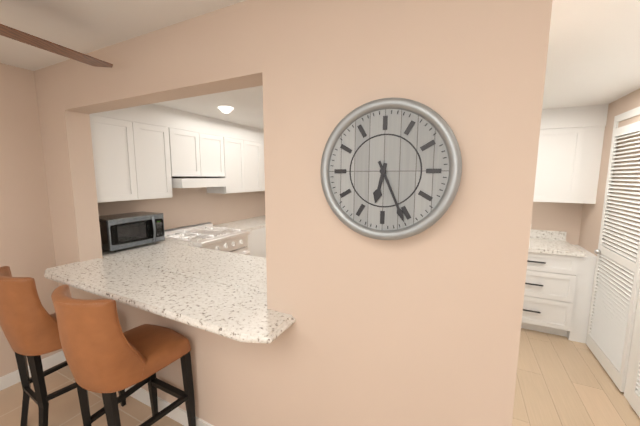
6:26
